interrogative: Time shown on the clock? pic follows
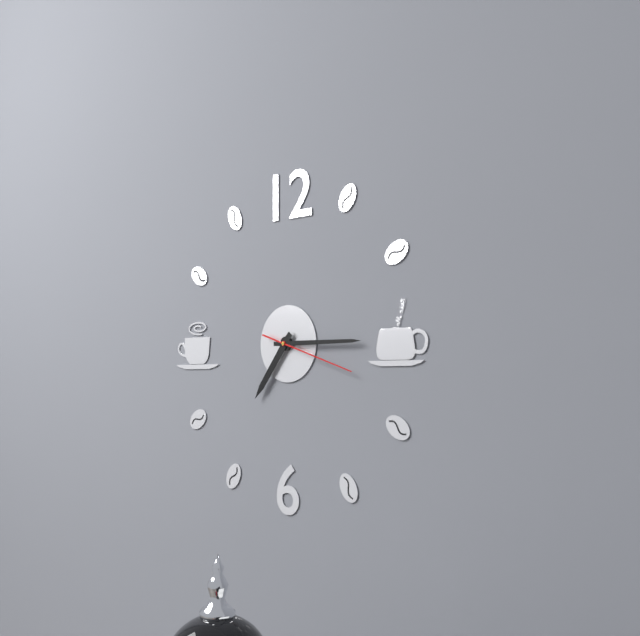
7:15:18
